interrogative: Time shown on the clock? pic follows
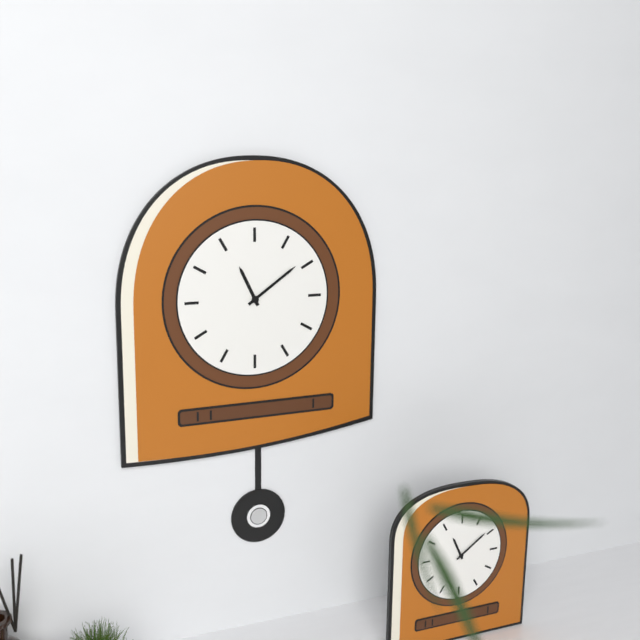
11:09
